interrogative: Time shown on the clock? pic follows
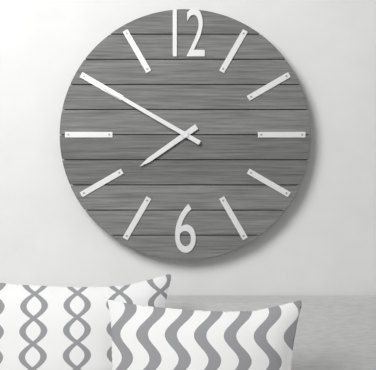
7:50
